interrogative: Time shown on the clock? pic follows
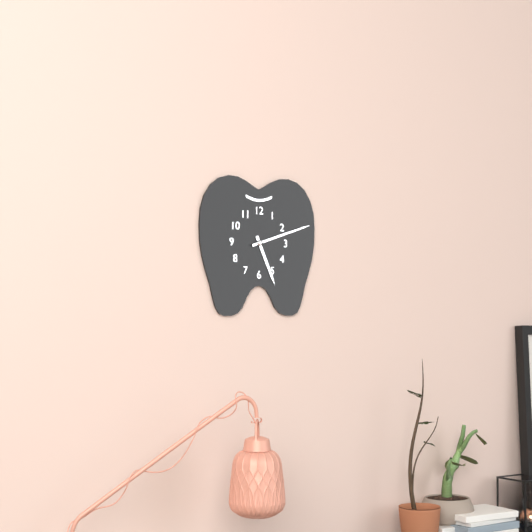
5:12
